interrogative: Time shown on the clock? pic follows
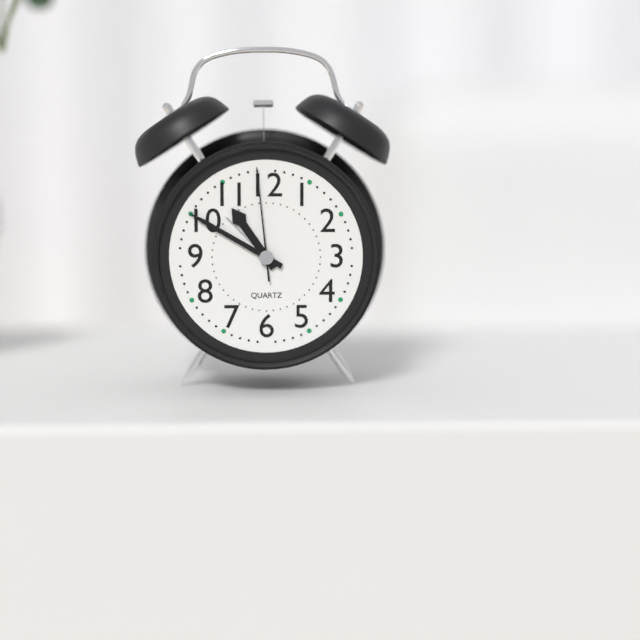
10:50:59
